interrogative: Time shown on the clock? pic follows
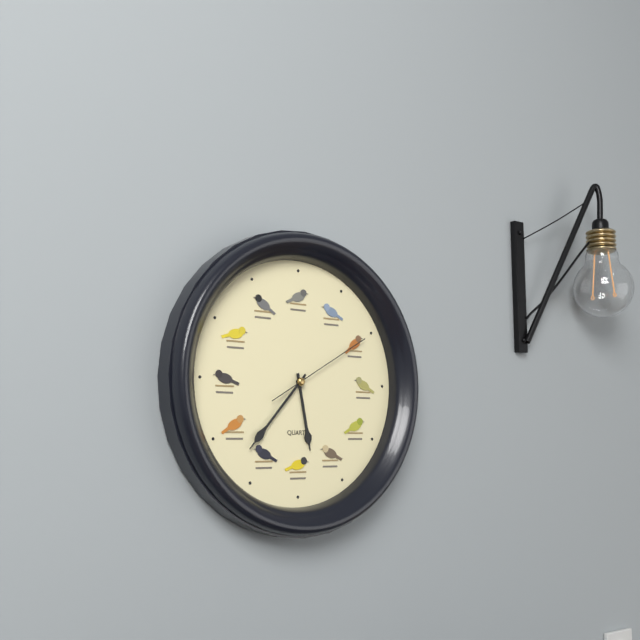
5:37:10
